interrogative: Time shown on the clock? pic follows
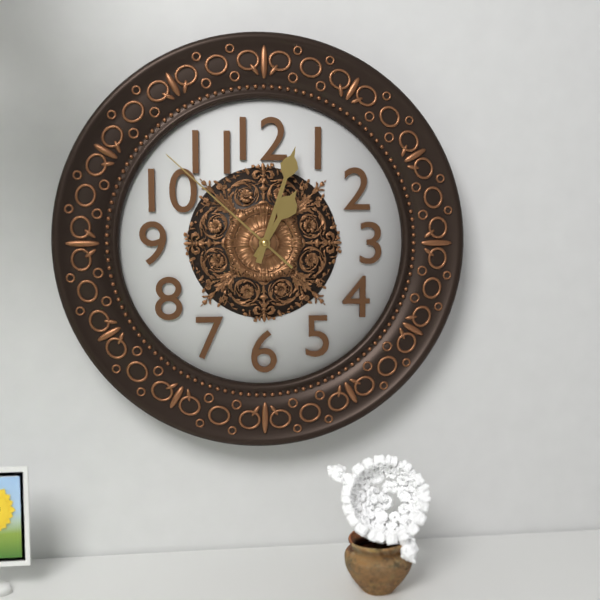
1:03:52
